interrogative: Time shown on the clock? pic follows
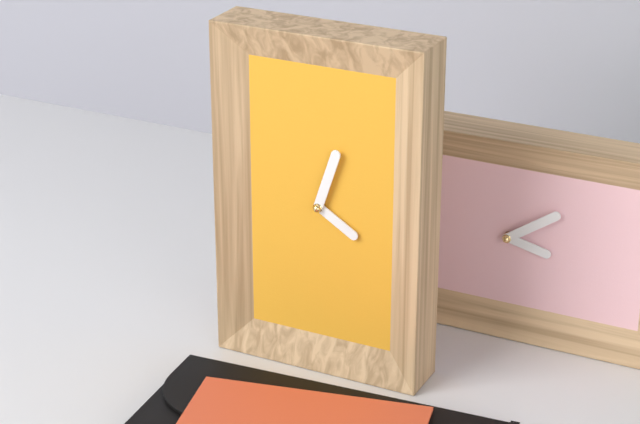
4:03
